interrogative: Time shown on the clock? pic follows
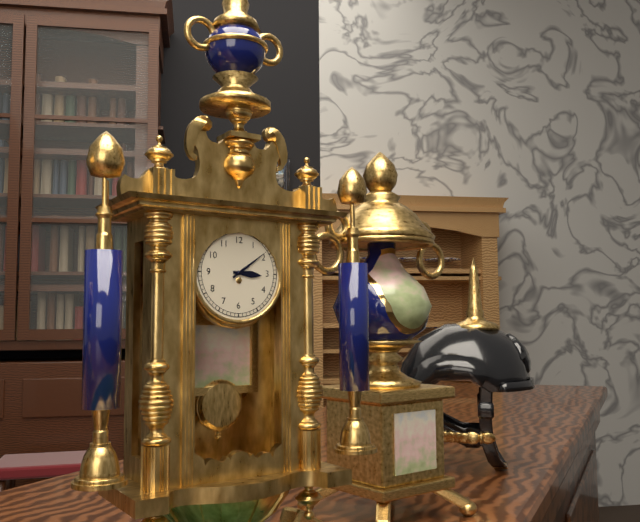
3:09
